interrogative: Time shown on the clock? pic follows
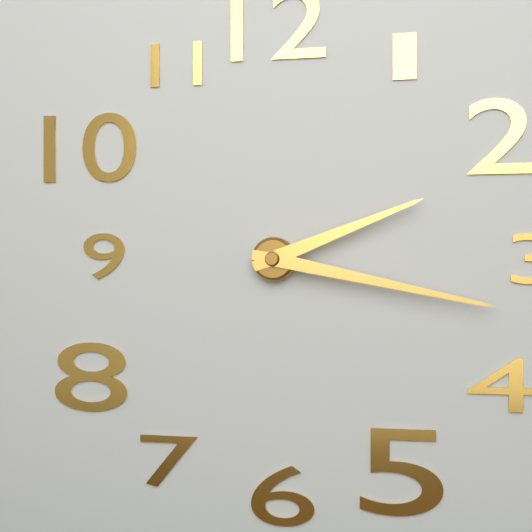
2:17
